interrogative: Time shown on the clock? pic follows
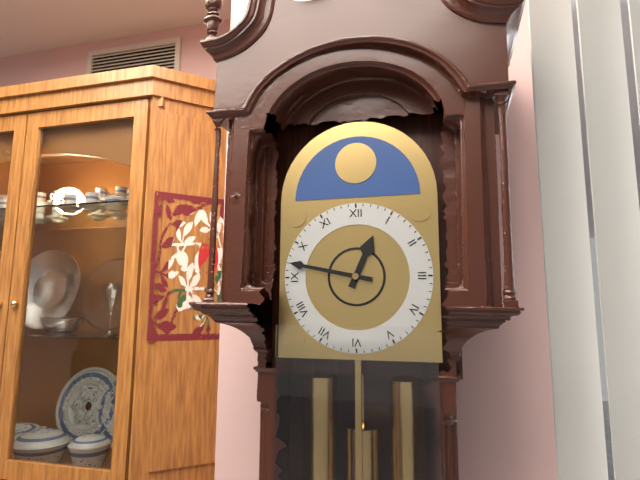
12:47
